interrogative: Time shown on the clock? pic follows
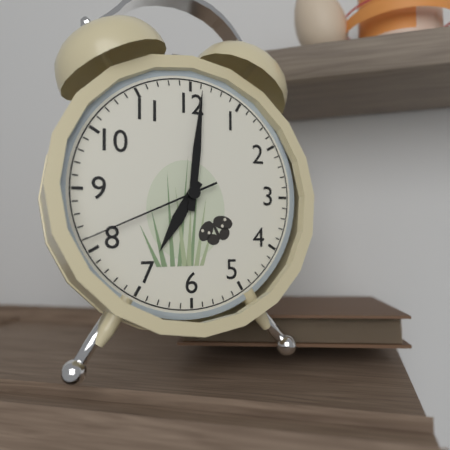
7:01:41
